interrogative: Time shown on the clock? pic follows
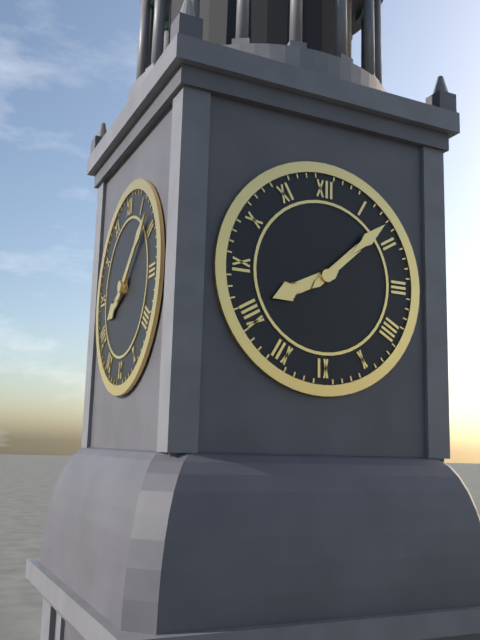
8:08
